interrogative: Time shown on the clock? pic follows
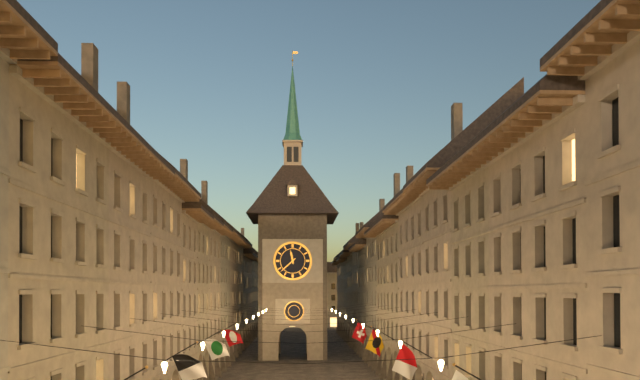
11:38
